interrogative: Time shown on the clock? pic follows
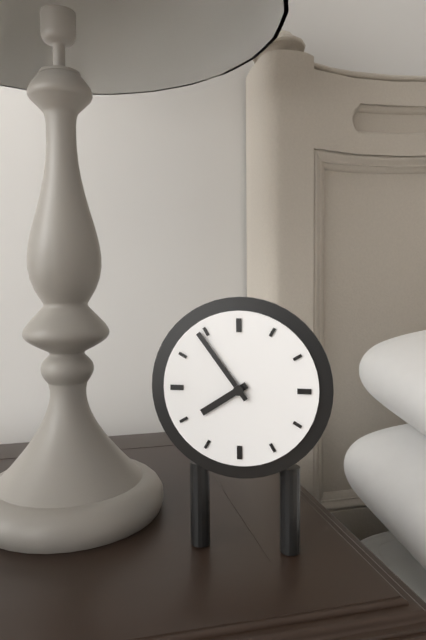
7:54
